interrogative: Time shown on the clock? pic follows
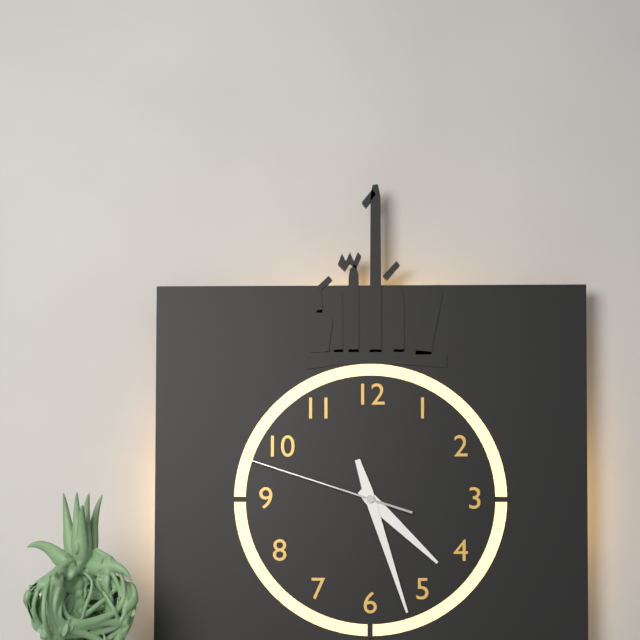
4:27:48
